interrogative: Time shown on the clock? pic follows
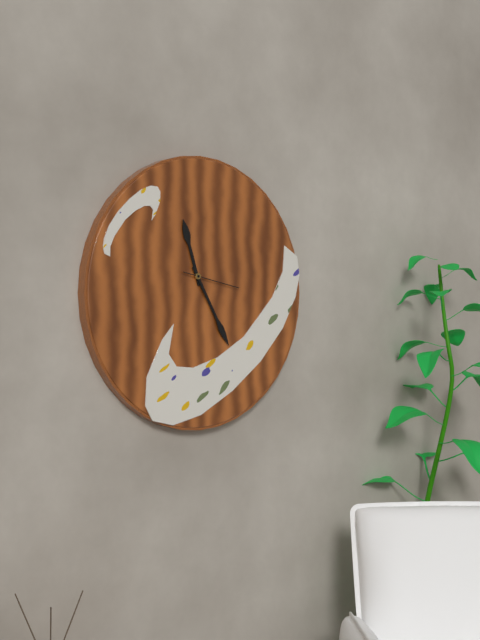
11:25:17
